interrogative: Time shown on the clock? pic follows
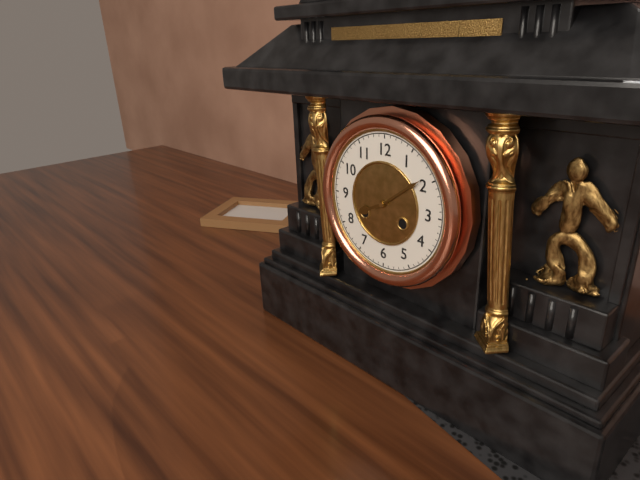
8:09
